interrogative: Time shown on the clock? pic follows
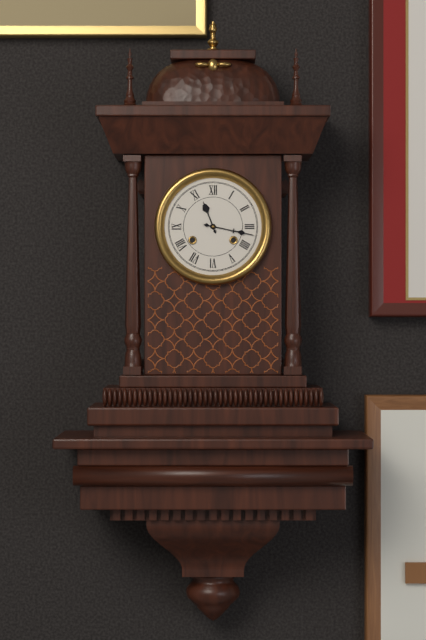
11:17
